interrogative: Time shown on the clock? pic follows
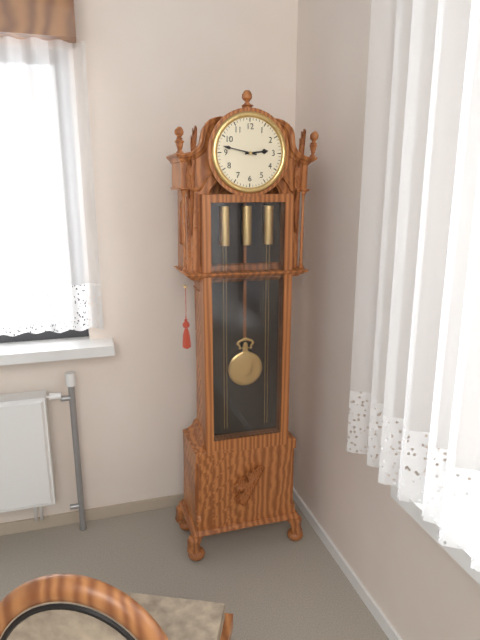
2:47
